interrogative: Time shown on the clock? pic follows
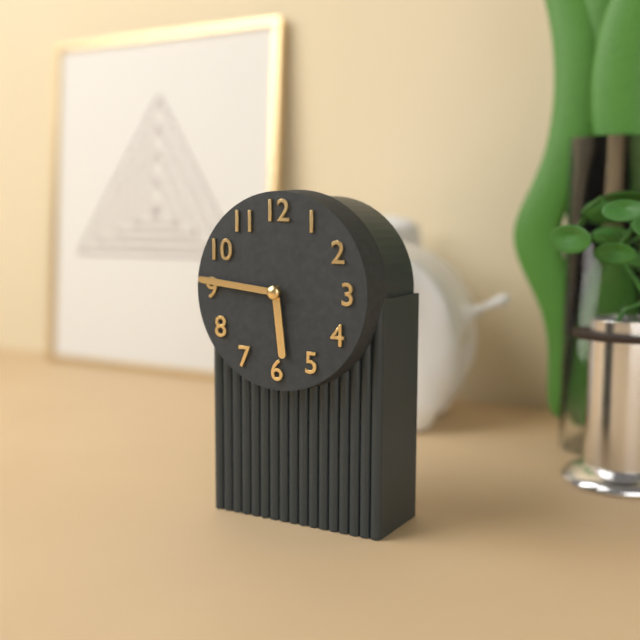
5:46
